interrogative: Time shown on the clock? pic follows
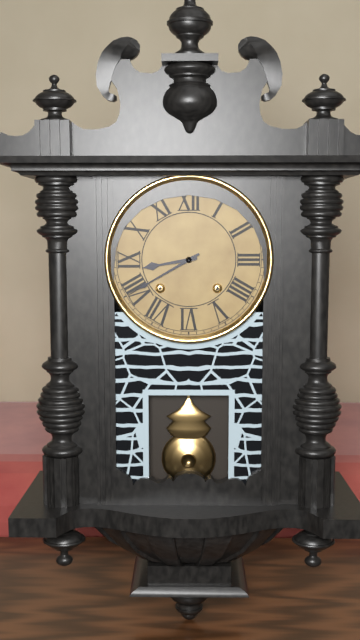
8:40
